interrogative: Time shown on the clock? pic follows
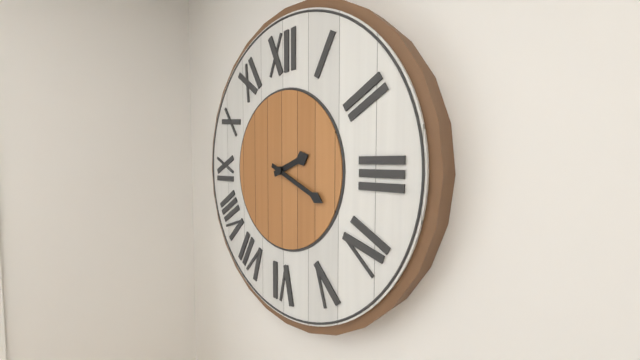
2:19
